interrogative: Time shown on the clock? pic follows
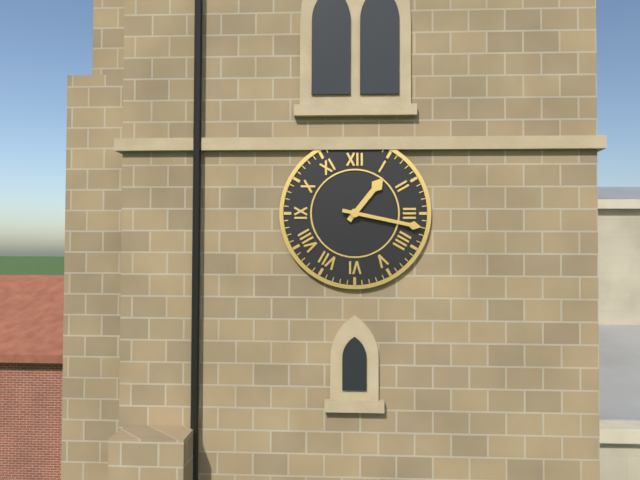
1:17
